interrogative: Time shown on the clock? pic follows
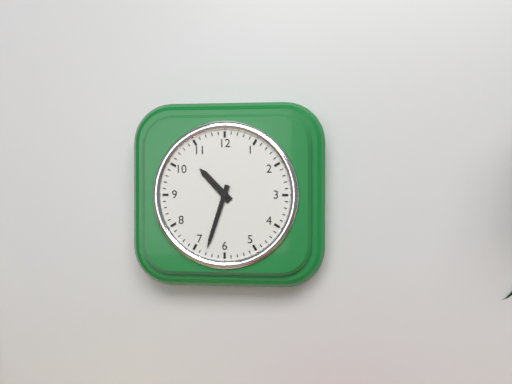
10:33
